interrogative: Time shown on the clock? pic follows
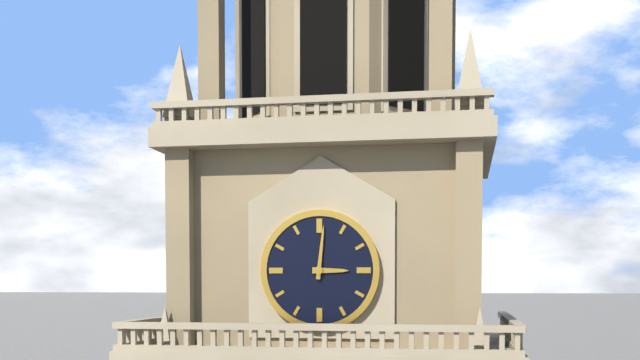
3:01
